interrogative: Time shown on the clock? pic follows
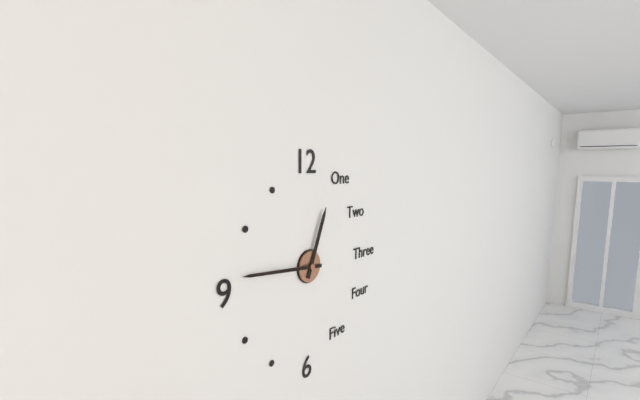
12:46
